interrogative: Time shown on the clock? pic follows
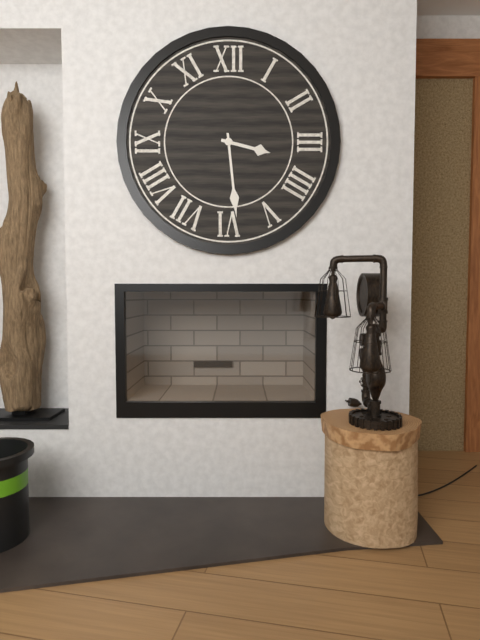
3:29
